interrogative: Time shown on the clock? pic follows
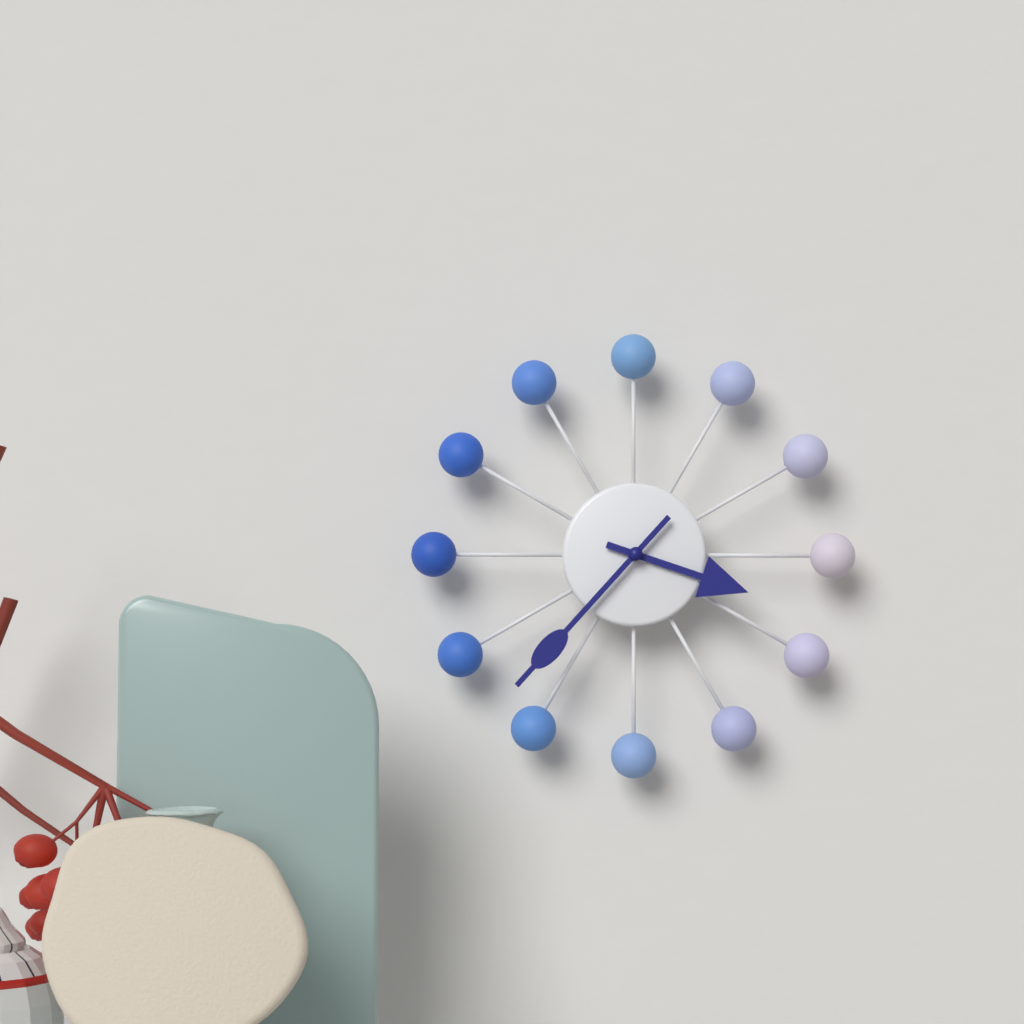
3:37
